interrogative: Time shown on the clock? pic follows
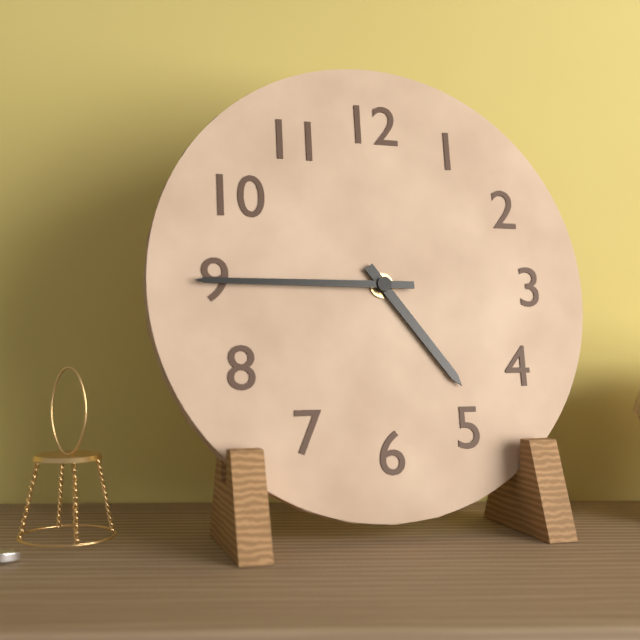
4:45
